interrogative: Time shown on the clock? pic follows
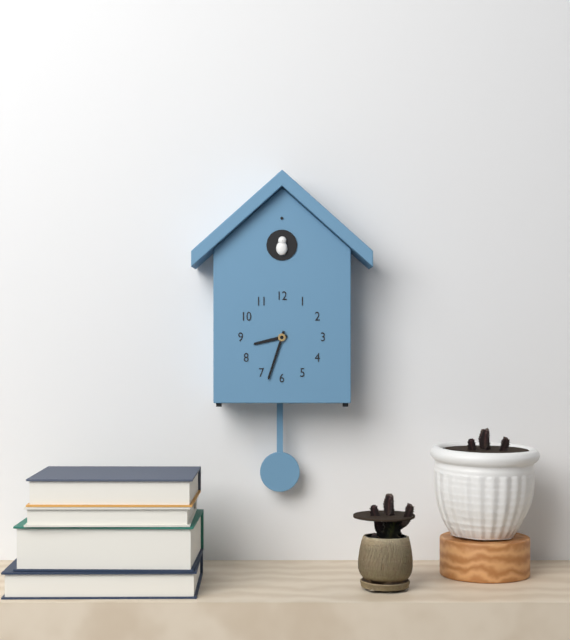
8:33
